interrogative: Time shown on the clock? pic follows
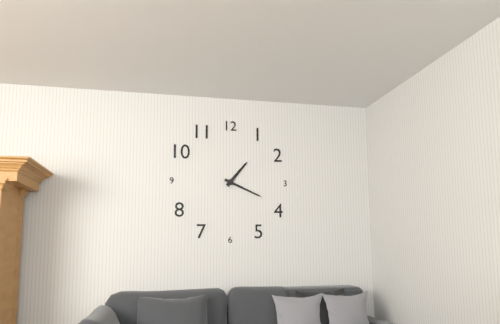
1:19
